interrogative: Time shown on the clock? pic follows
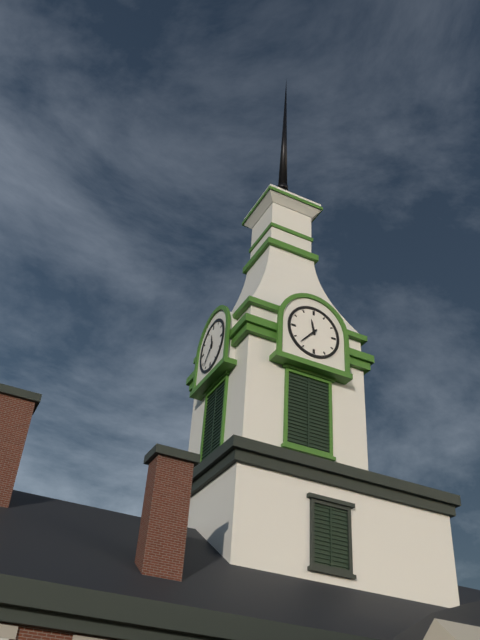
11:37
